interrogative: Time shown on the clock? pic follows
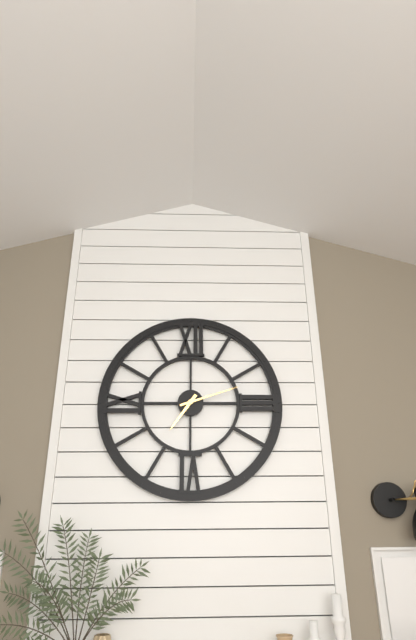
7:12
